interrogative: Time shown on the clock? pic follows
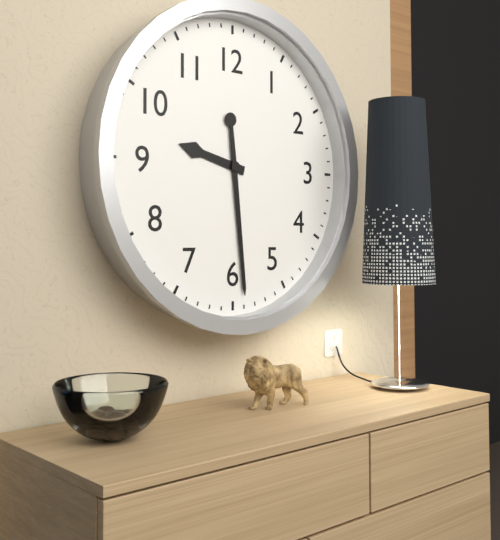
9:29
